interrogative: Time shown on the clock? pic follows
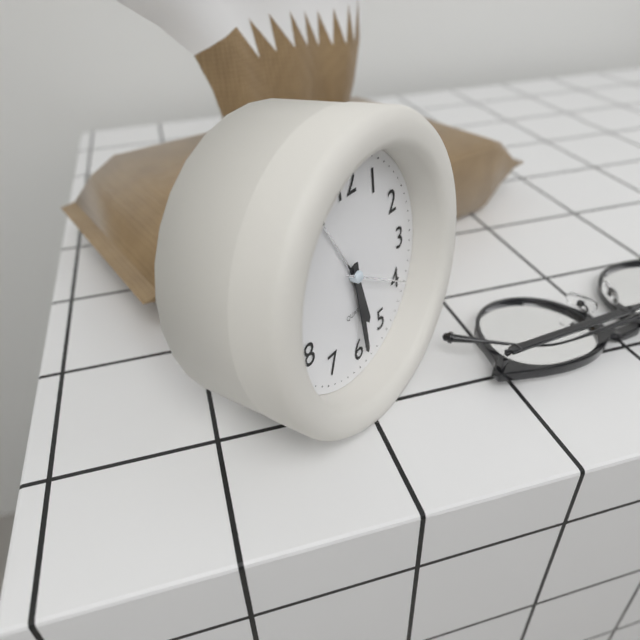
5:29:20
